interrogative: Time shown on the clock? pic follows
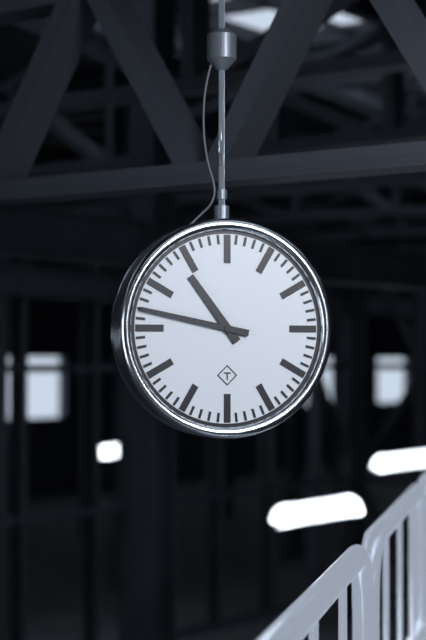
10:47
